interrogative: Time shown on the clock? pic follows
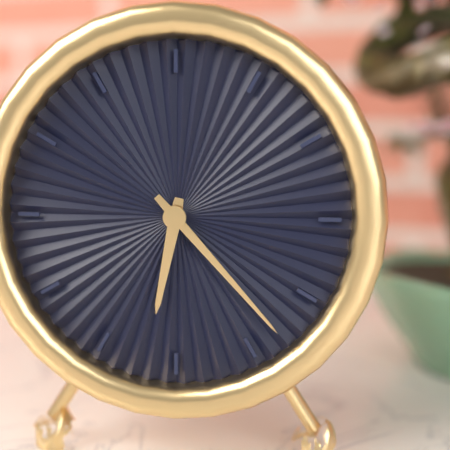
6:23
